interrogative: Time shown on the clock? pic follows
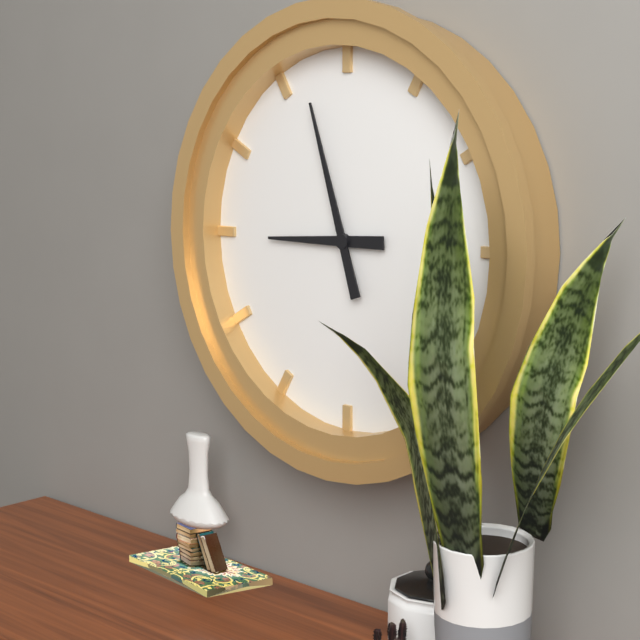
8:57
